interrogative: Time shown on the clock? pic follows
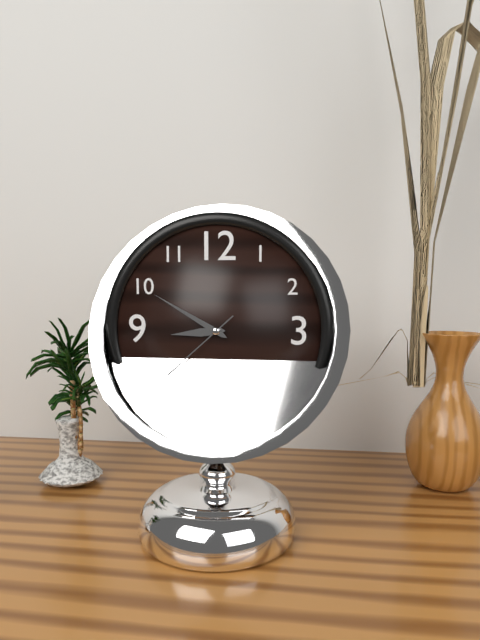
8:50:38
